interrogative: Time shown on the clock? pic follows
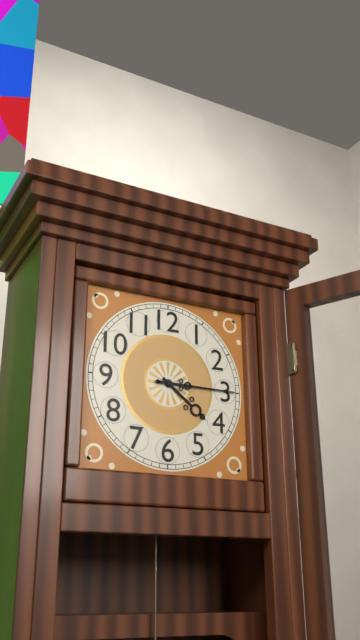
4:15
